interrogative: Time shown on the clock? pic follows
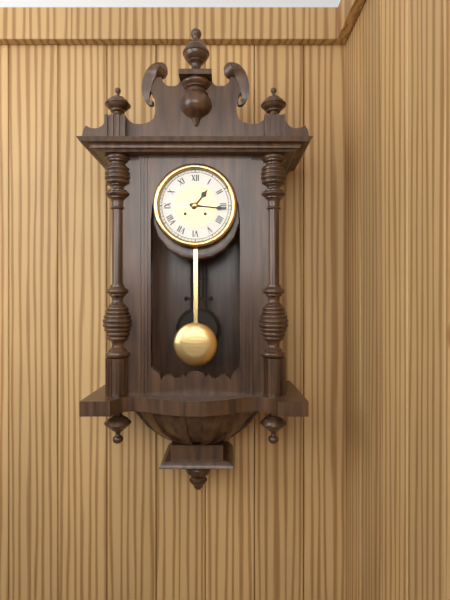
1:16
